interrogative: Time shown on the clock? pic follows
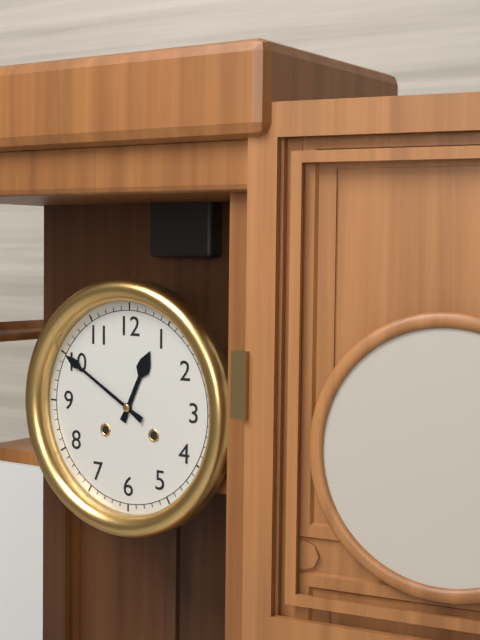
12:50
